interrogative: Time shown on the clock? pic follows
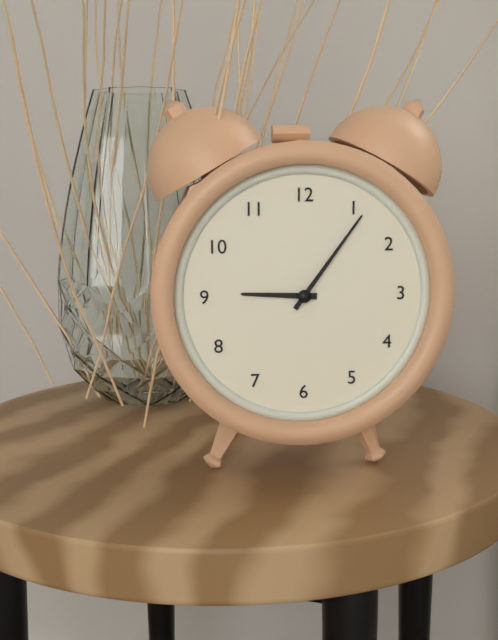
9:06
